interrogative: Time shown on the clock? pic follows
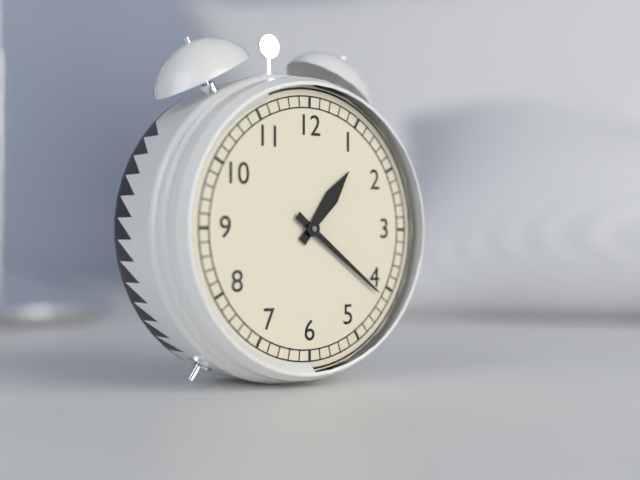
1:21
